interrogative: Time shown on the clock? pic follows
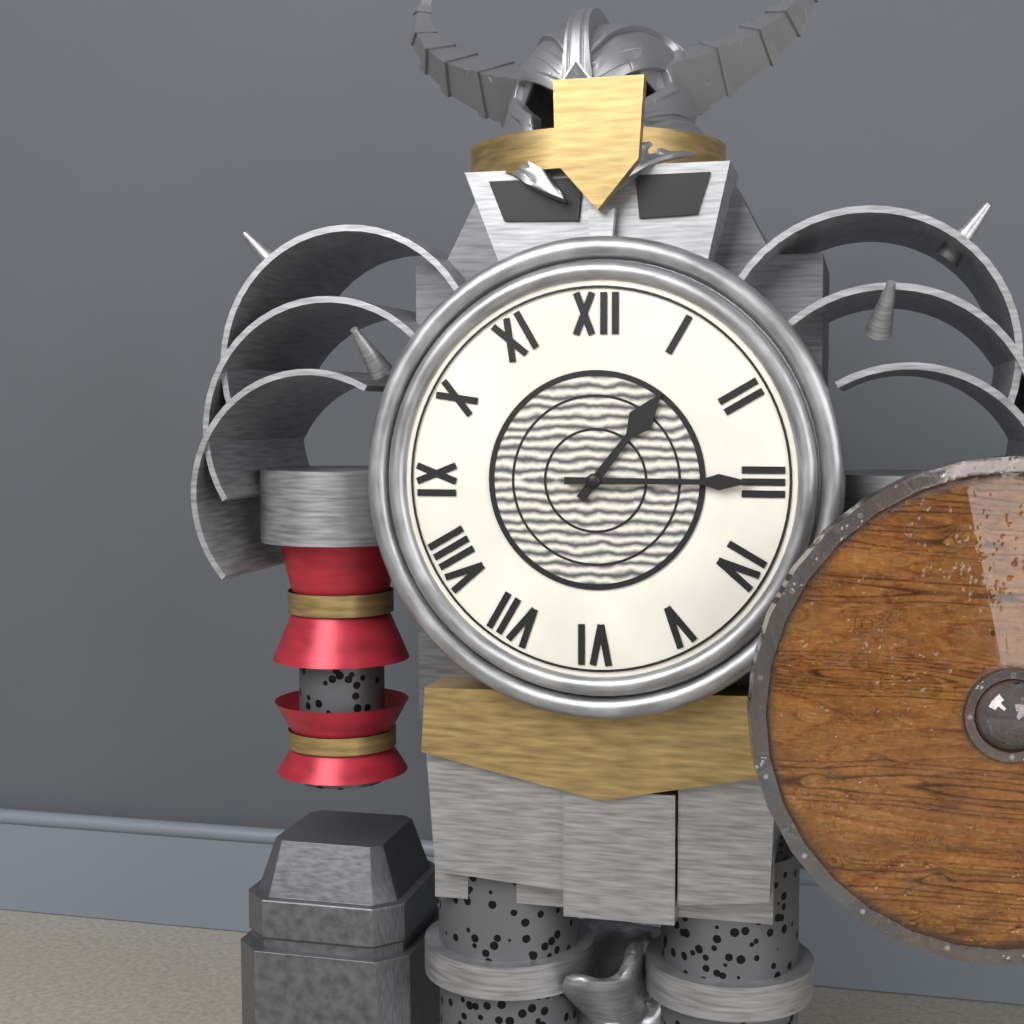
1:15
